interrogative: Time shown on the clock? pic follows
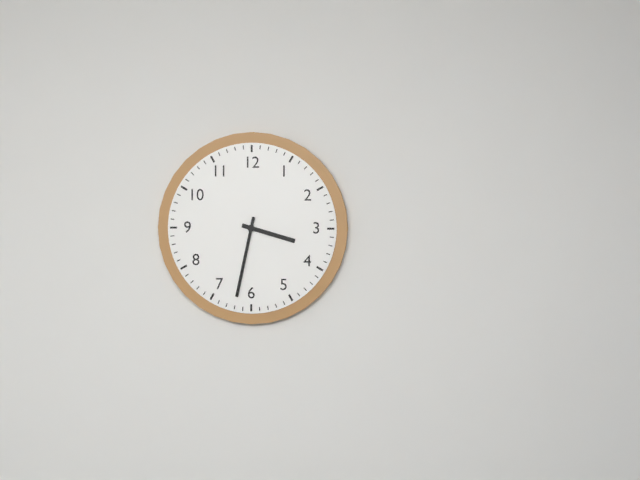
3:32
